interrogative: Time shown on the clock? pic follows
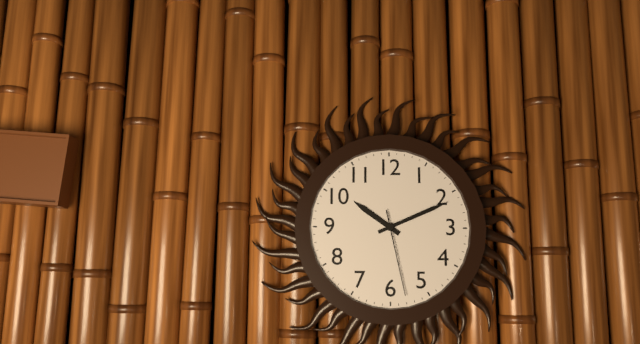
10:11:28
